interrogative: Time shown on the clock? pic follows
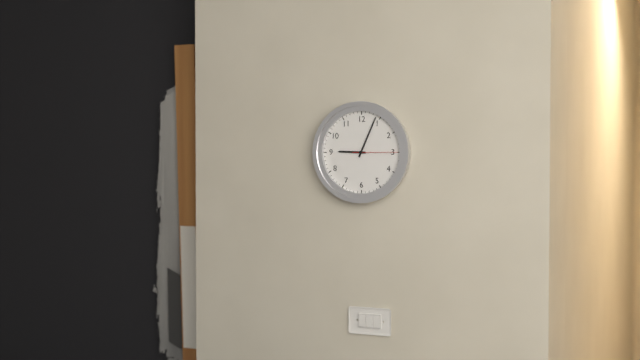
9:04
